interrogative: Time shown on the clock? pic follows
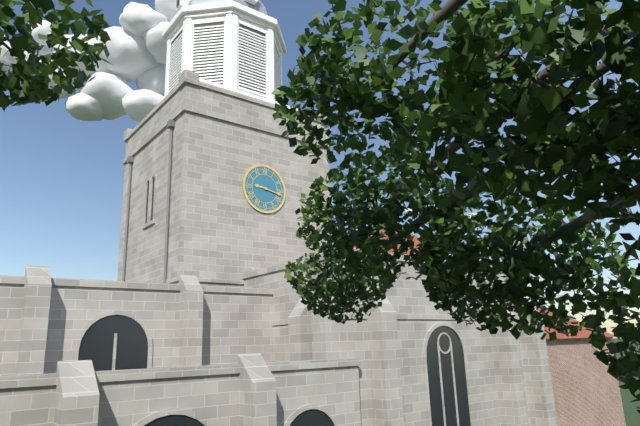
9:17
